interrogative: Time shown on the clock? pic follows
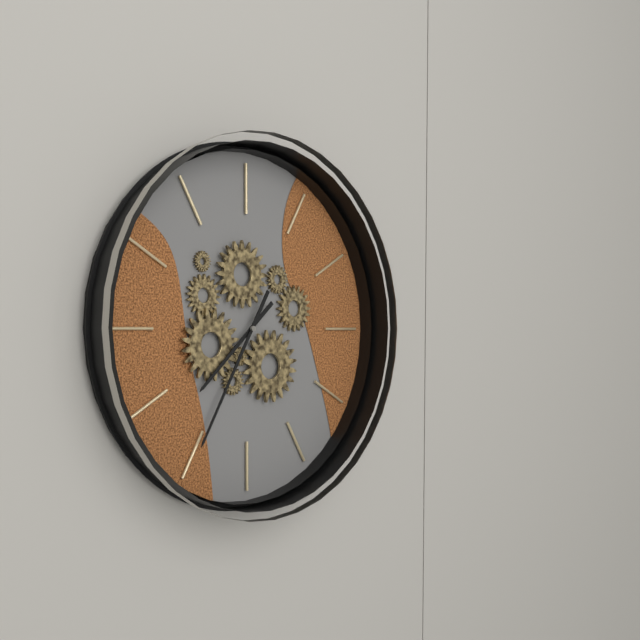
7:35
